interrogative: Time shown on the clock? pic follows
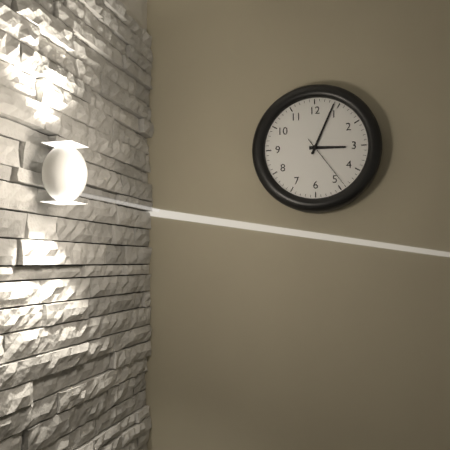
3:04:24
